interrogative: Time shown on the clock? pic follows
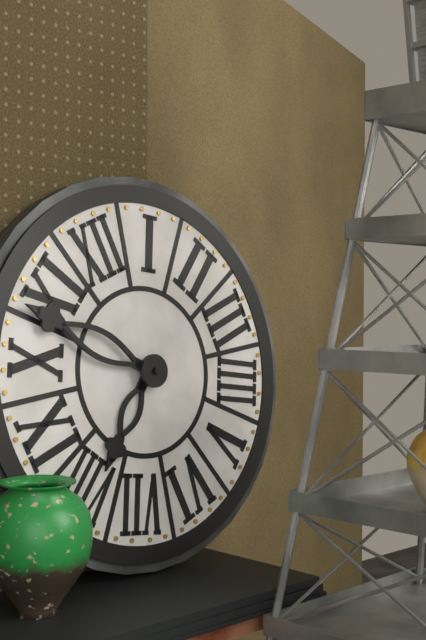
7:53
